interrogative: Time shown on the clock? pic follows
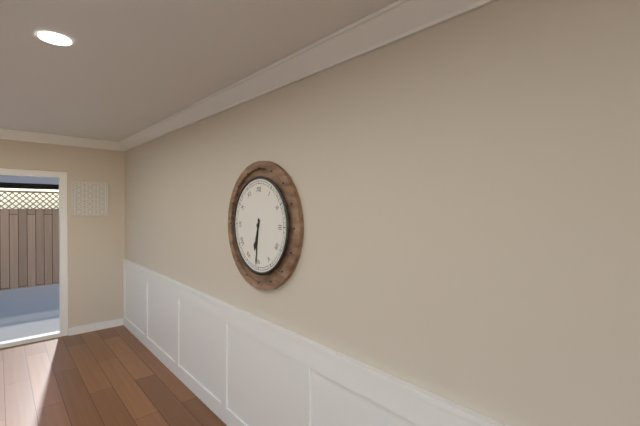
6:31
